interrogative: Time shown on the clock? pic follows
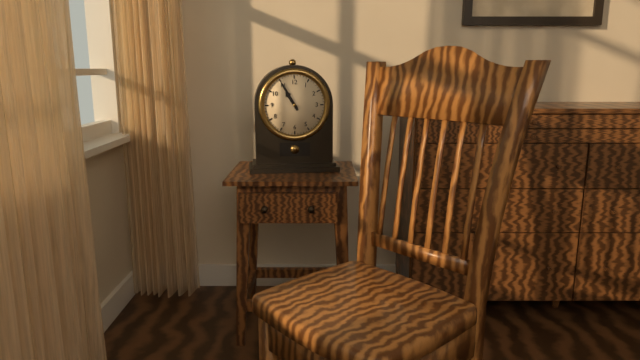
10:55
